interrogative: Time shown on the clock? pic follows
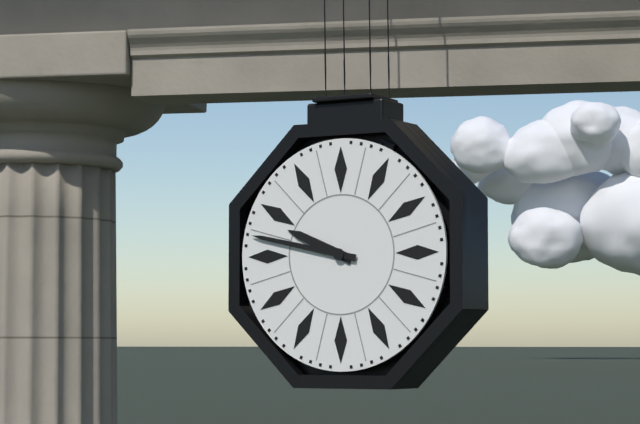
9:47
